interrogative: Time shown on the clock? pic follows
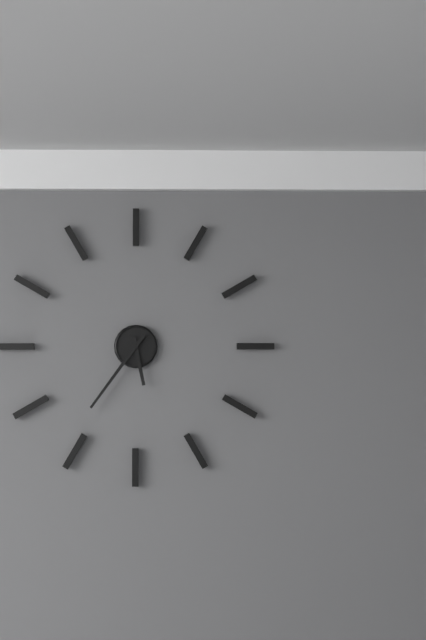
5:36
